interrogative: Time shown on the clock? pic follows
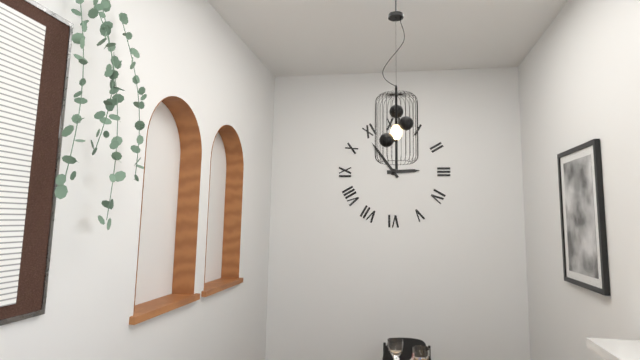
2:54
